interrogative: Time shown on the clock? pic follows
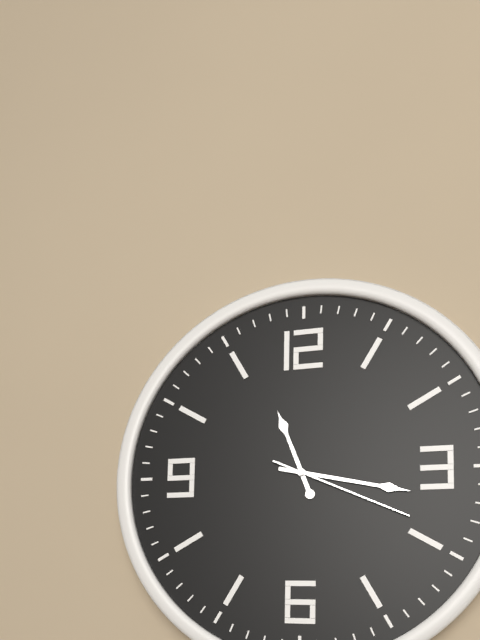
11:17:19
